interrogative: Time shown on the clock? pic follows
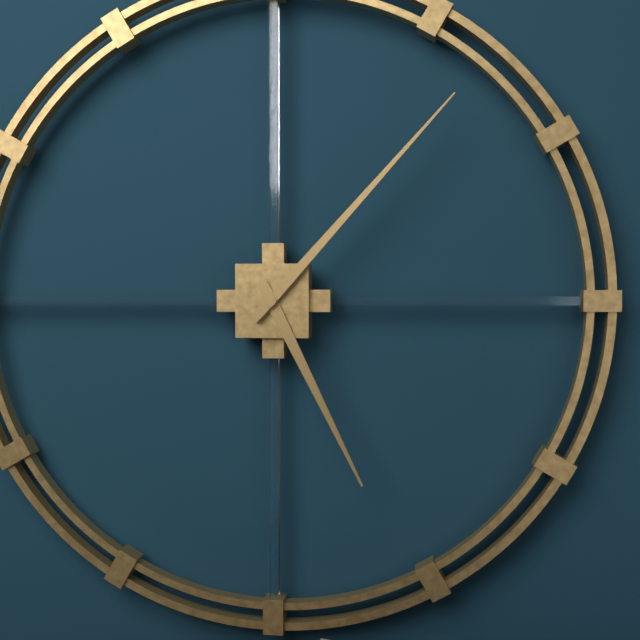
5:07
